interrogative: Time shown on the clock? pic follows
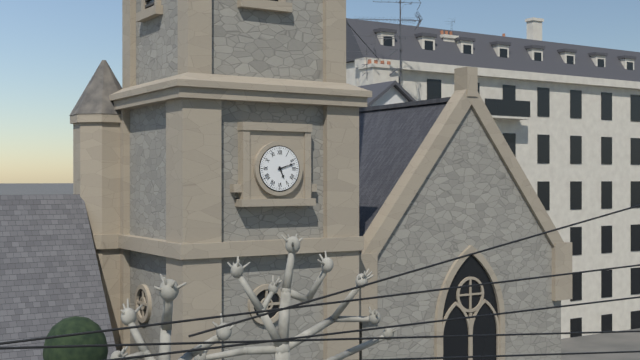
5:12
